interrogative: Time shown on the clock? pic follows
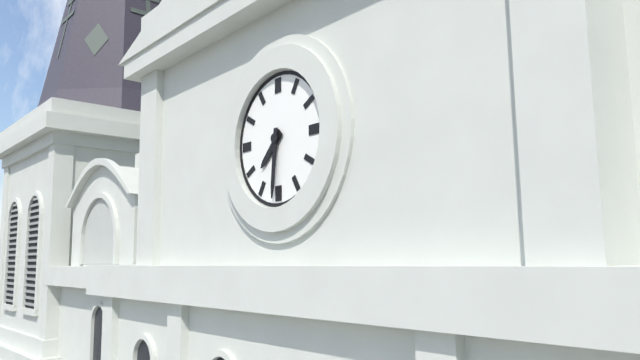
7:31
